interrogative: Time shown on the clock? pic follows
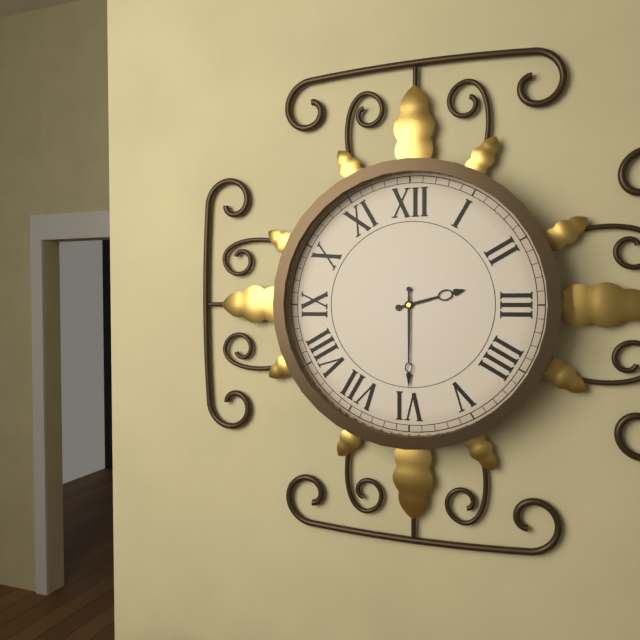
2:30
